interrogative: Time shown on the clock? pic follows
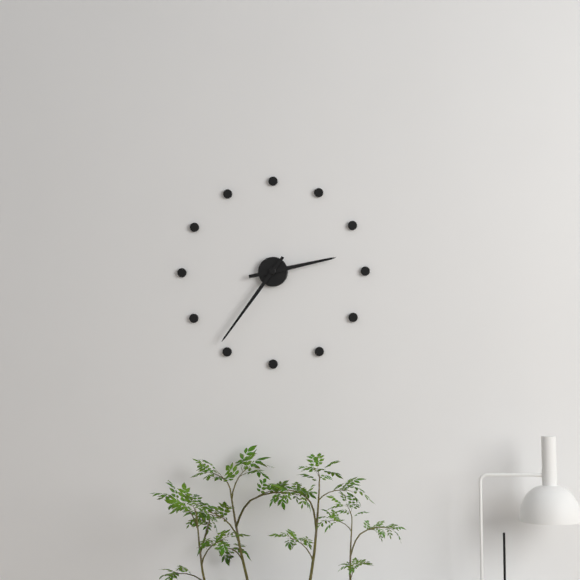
2:36
